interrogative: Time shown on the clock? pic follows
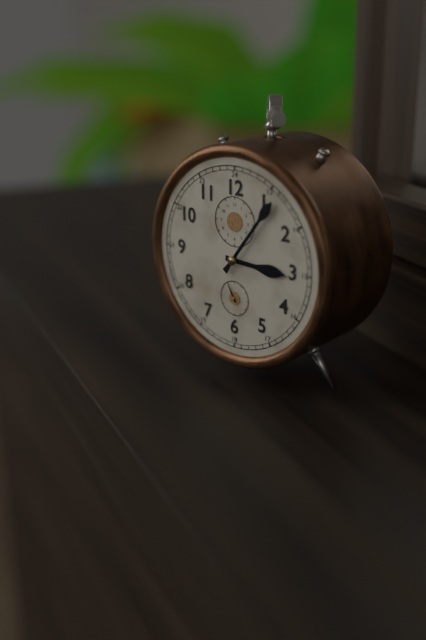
3:06
